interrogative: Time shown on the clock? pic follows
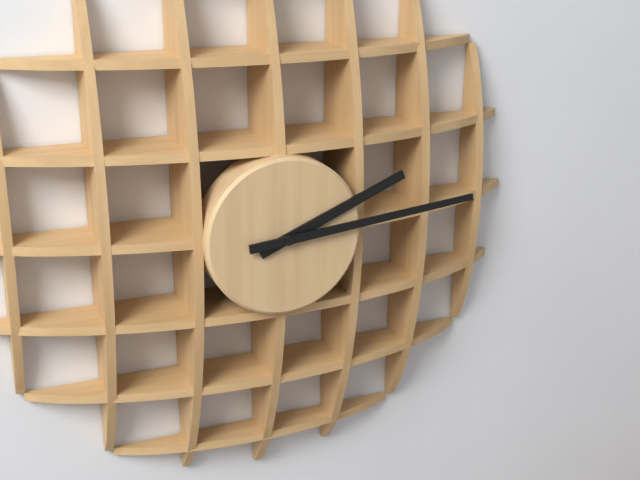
2:14
